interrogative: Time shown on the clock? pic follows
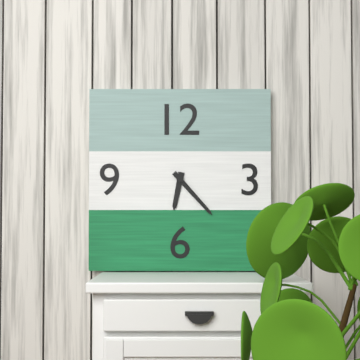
6:23
